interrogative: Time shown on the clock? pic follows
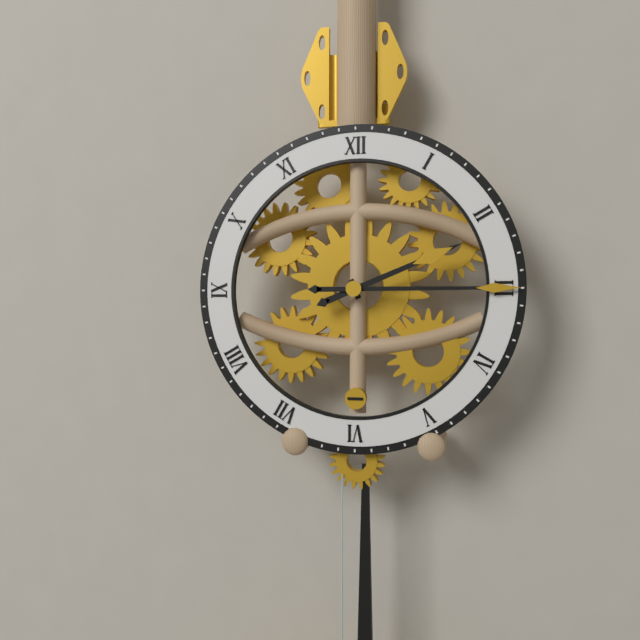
2:15
